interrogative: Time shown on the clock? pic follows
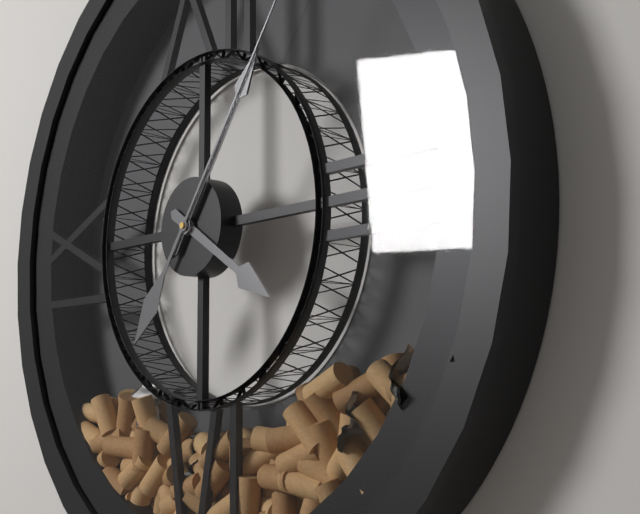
4:06
